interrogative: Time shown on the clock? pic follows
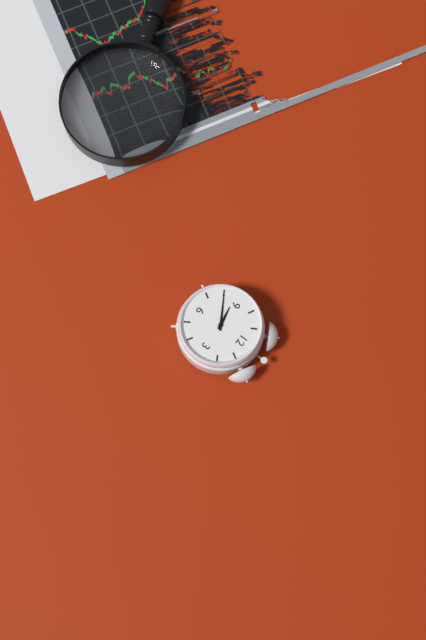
8:40
